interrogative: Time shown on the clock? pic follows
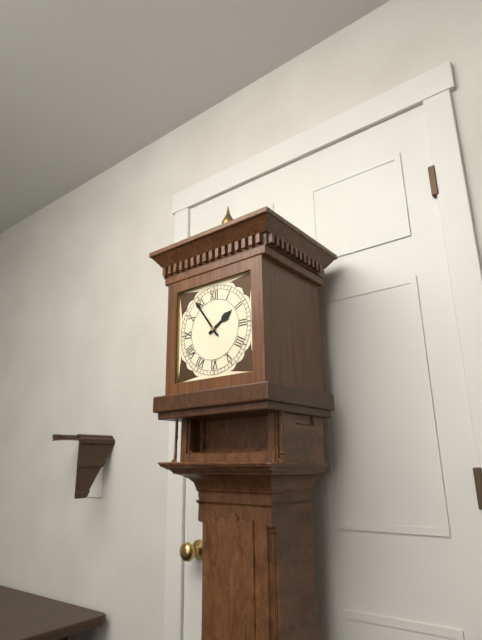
1:54
